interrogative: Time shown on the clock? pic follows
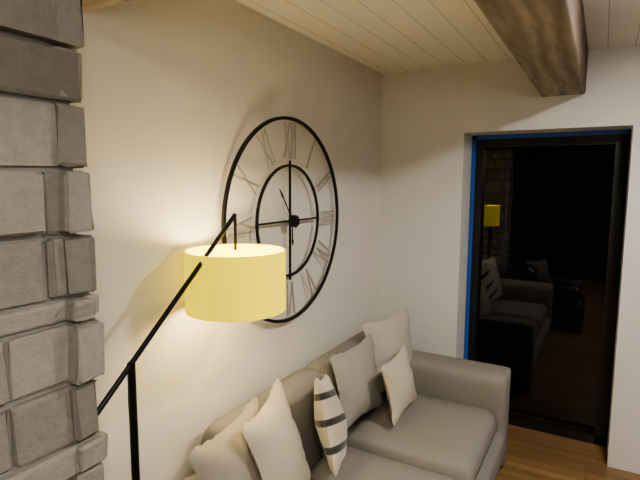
5:54
